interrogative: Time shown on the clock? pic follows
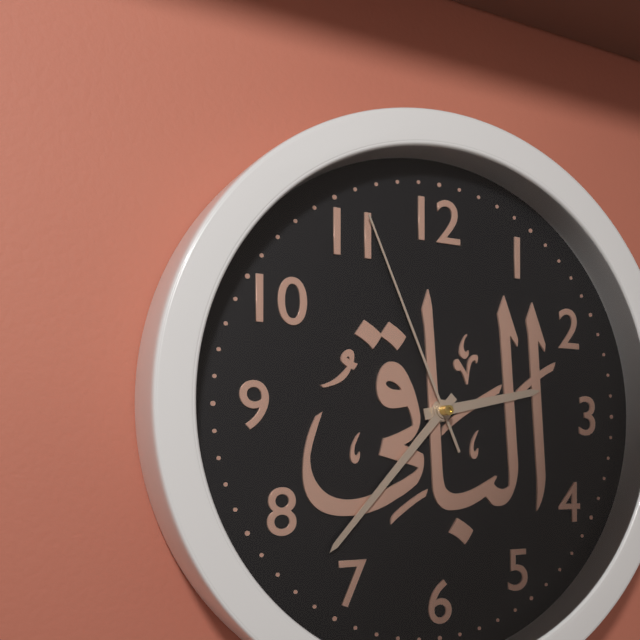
2:37:56
